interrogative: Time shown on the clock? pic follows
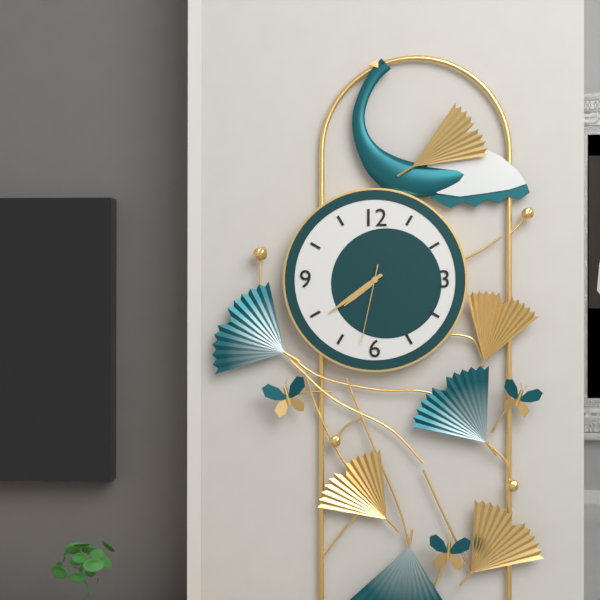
7:39:32
